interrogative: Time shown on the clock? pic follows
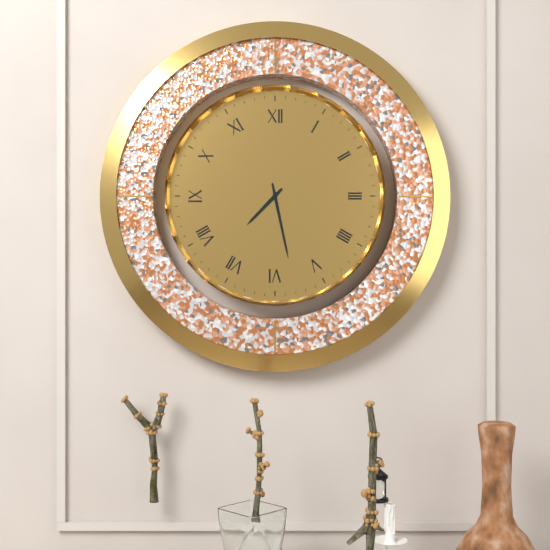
7:28
